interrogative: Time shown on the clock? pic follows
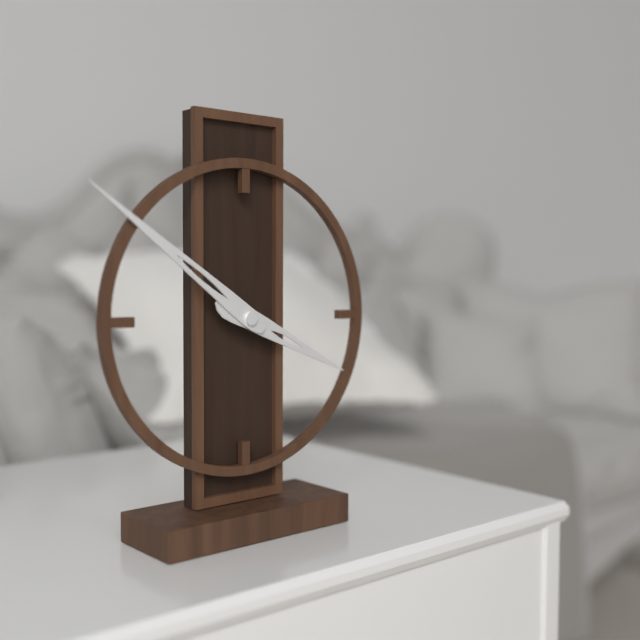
3:51
